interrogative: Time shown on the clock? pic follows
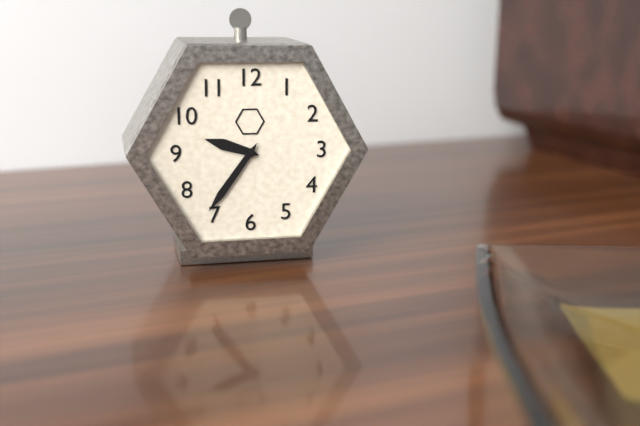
9:36
